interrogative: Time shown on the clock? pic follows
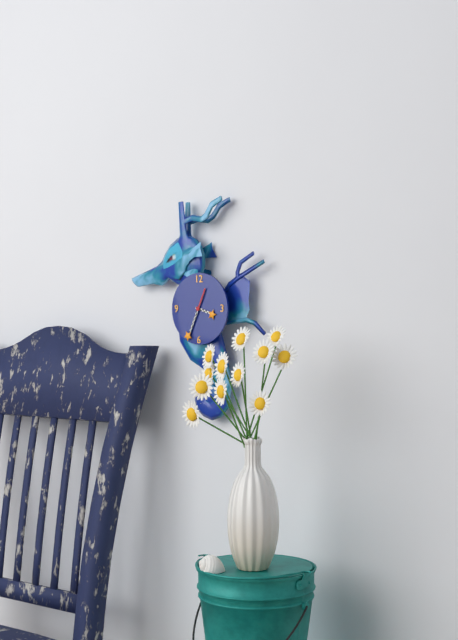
3:34
